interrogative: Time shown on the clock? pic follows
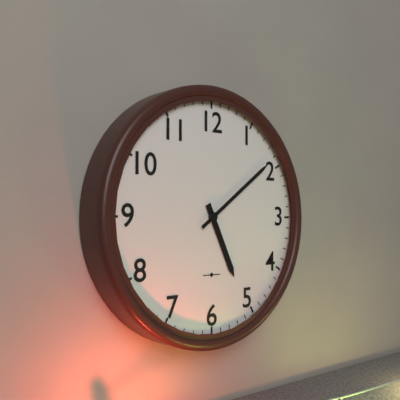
5:09
